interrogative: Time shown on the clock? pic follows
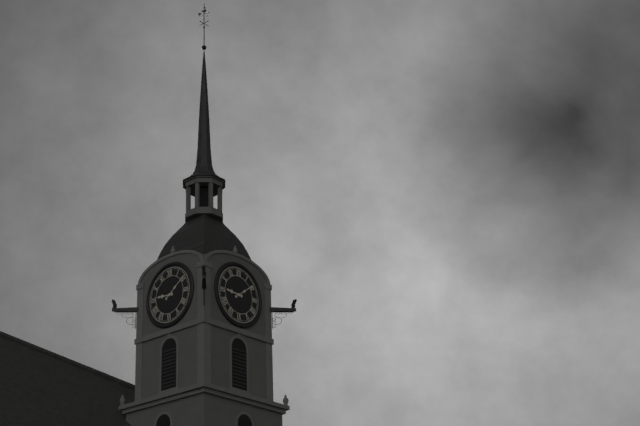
9:09
